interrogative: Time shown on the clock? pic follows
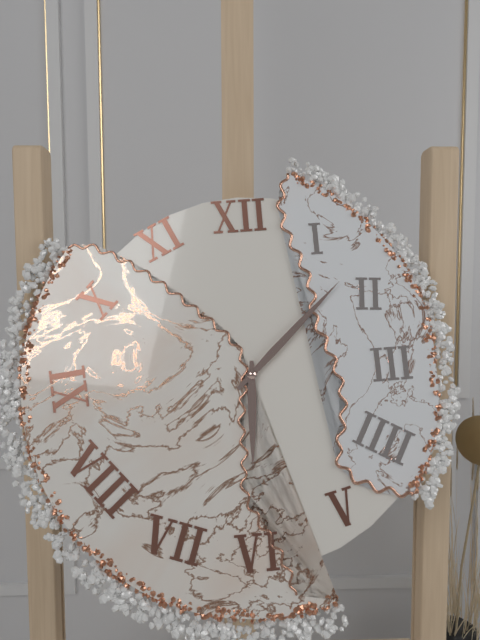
6:08
